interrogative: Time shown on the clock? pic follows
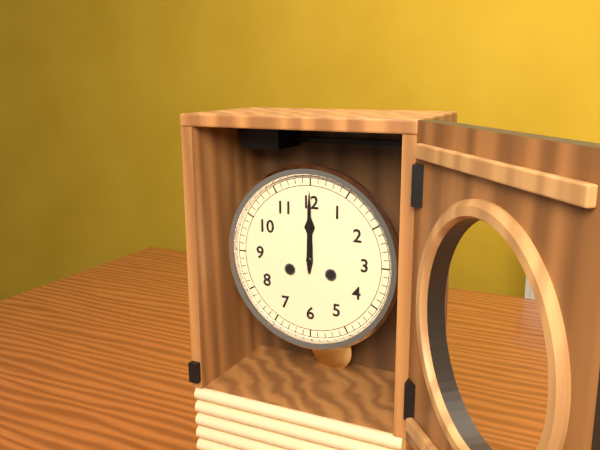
12:00
